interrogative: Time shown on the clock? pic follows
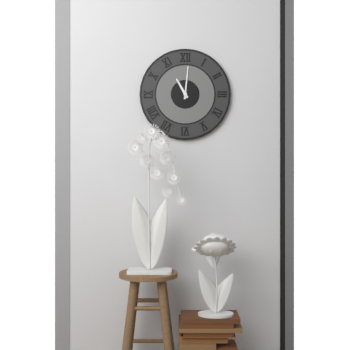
11:01
